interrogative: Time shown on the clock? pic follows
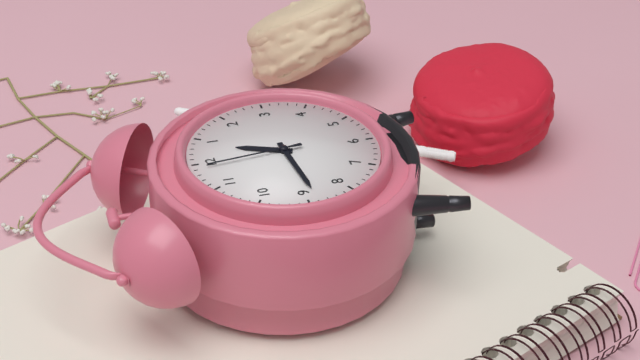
12:44:59
